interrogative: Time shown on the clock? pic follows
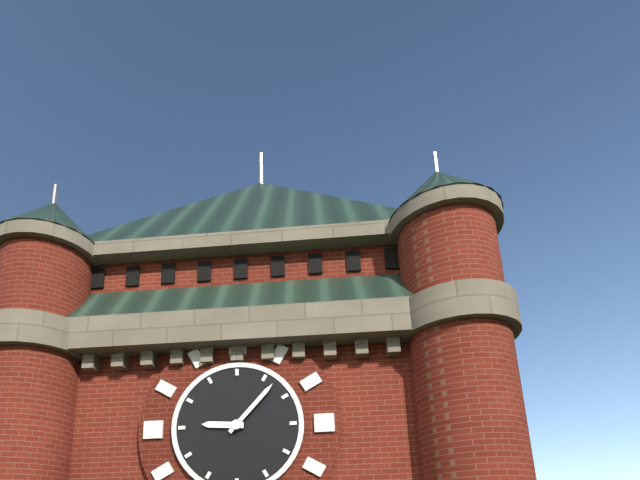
9:07
